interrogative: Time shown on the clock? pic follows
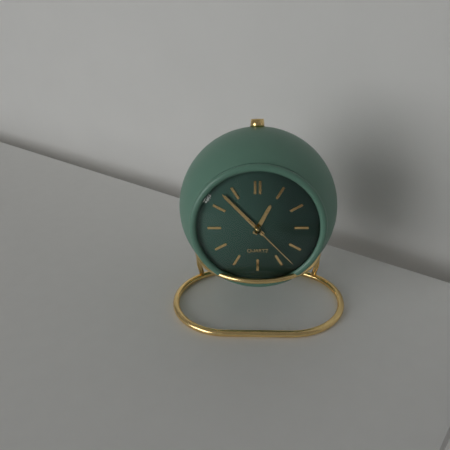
12:53:23
